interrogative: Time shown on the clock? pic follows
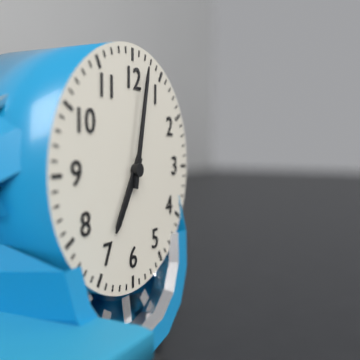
7:02
